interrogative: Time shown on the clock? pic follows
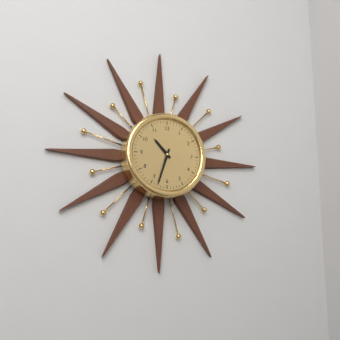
10:33
